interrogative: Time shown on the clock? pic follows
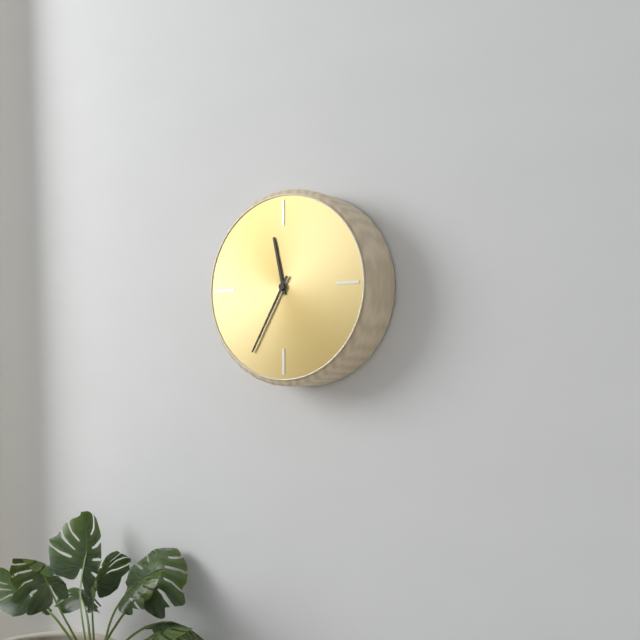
11:35
